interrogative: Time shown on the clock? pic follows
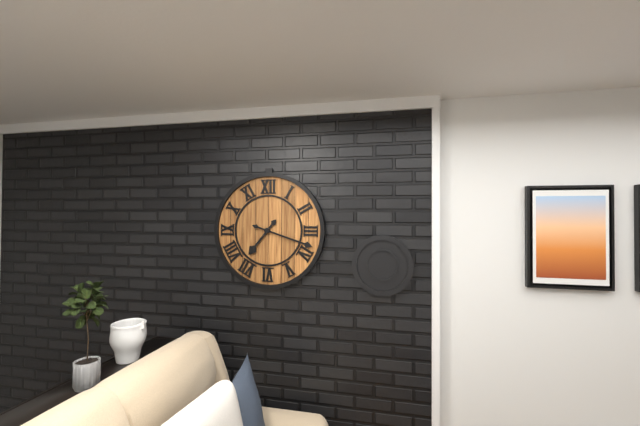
7:18
